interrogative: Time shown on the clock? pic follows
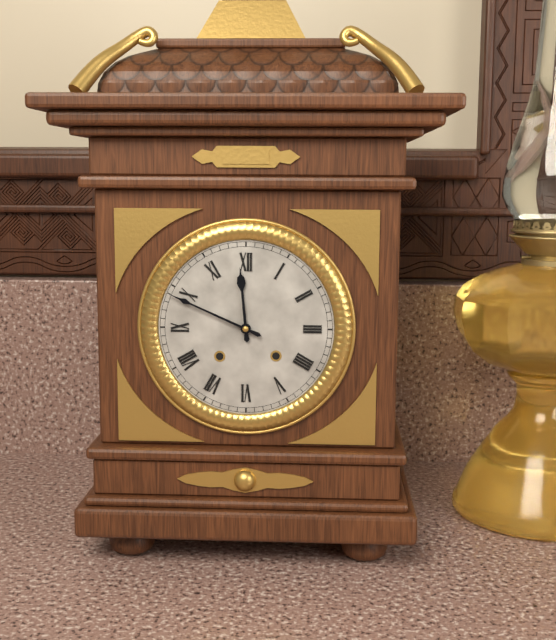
11:49
